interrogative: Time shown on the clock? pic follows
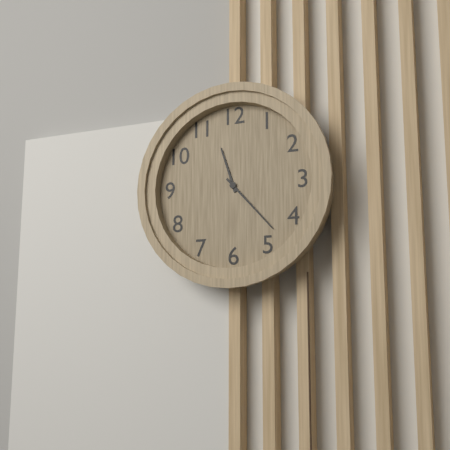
11:23
